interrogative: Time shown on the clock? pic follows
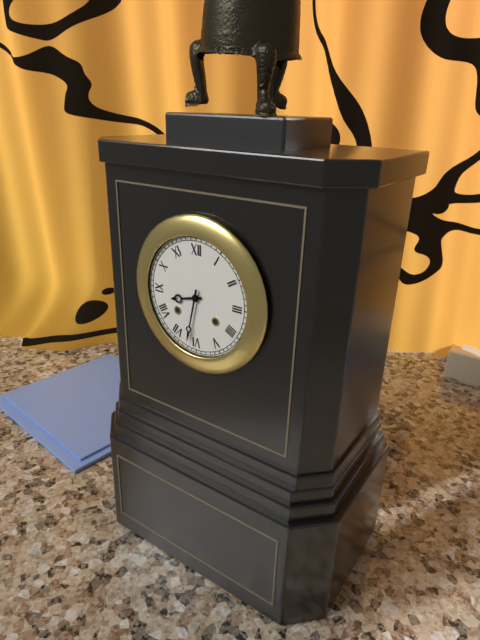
8:32
